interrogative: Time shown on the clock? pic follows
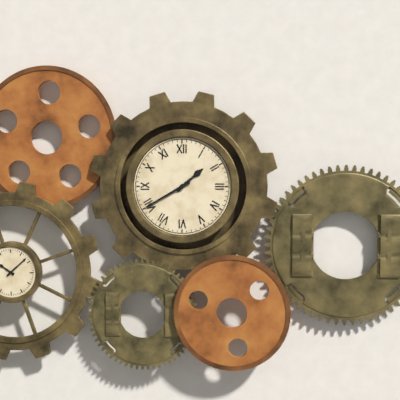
1:40
